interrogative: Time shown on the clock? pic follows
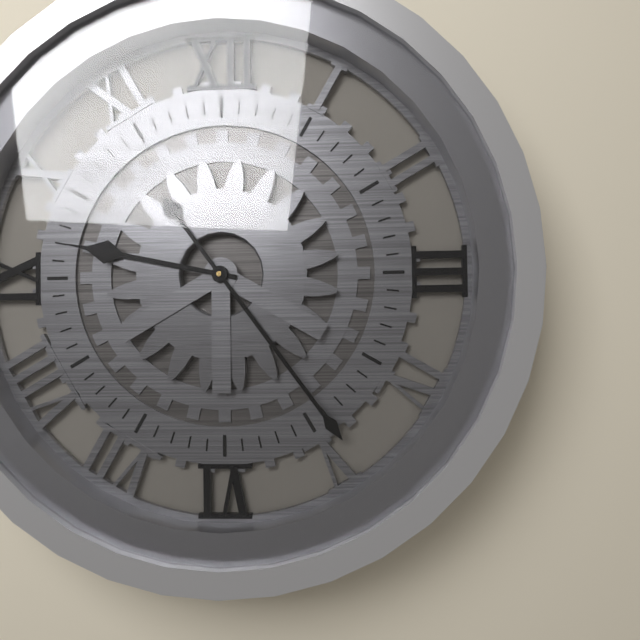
9:24
